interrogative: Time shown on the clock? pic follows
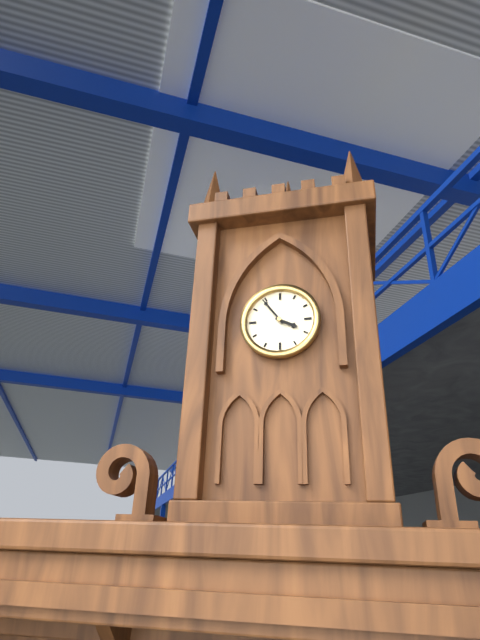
3:54
